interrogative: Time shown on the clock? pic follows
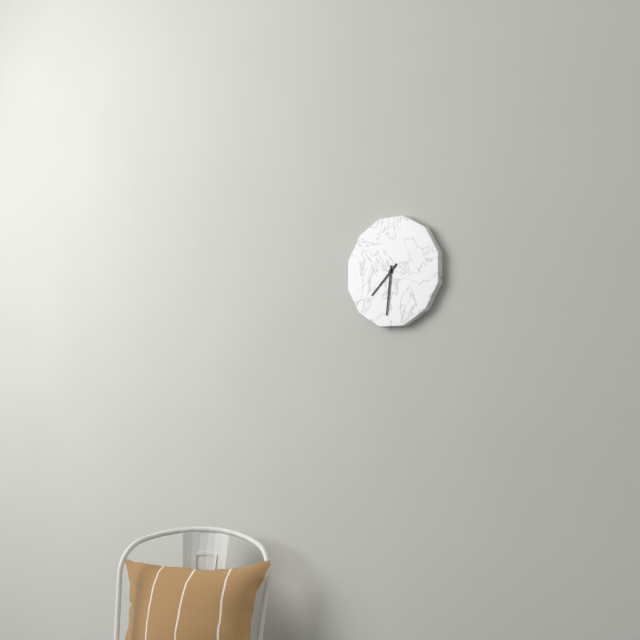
7:31
